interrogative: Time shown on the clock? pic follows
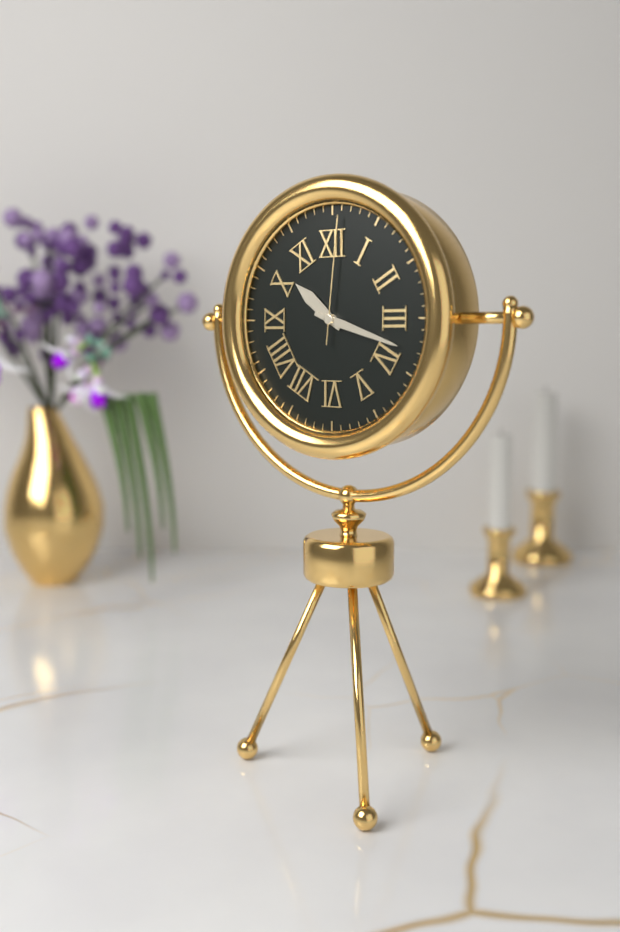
10:18:01
